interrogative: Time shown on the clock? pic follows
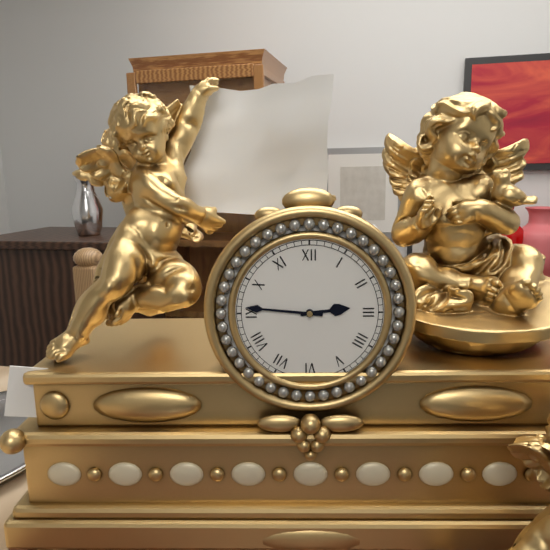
2:46
